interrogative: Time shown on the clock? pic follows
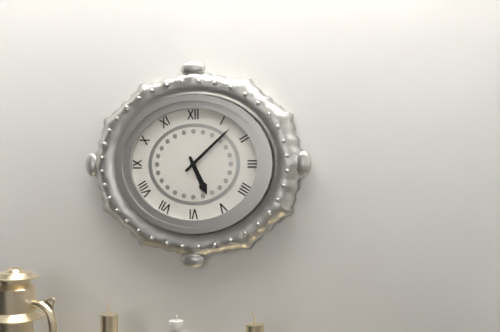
5:08
